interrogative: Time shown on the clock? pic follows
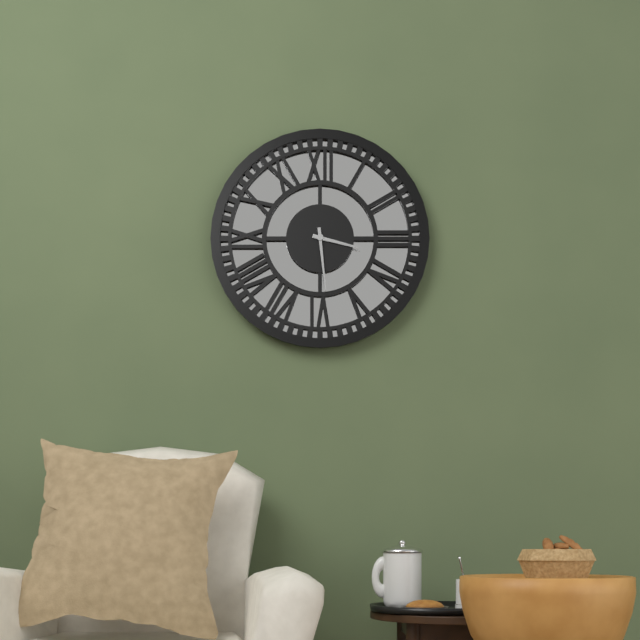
3:29
